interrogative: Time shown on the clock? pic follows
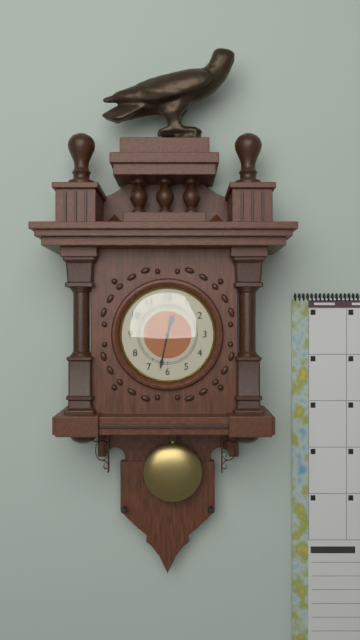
12:32
